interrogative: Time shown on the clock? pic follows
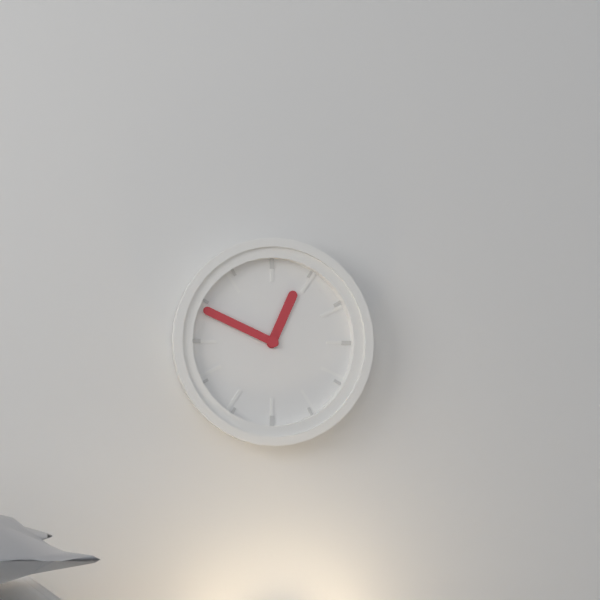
12:49
